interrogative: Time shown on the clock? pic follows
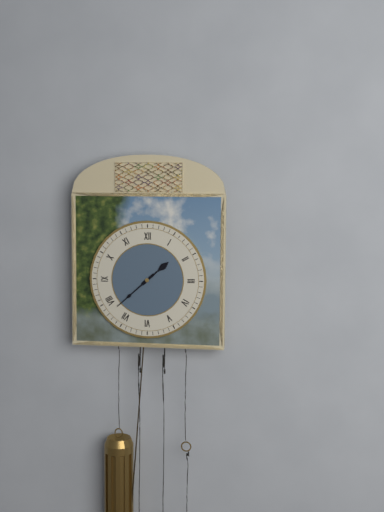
1:38
